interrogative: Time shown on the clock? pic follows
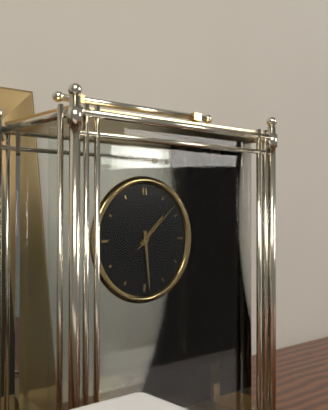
1:29:08
